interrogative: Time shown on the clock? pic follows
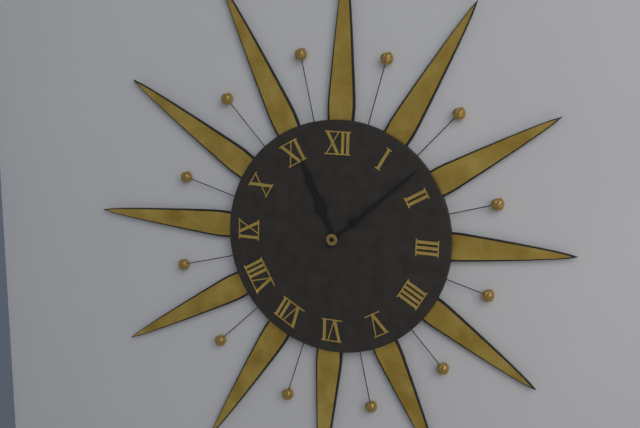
11:08
